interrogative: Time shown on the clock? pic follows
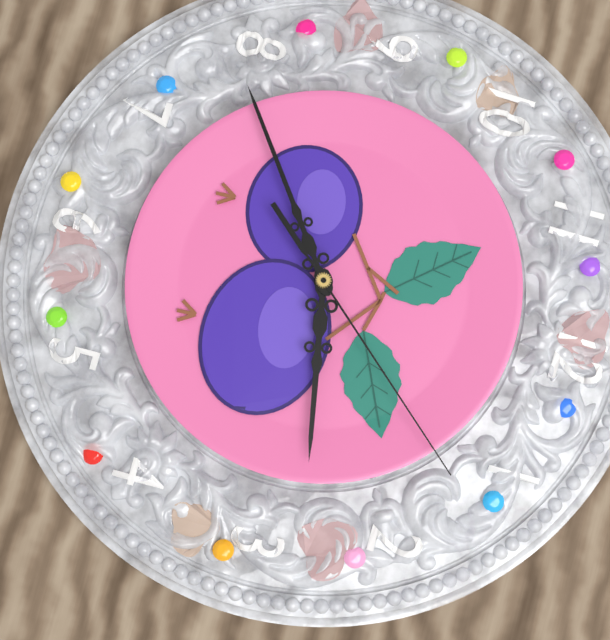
2:39:07
